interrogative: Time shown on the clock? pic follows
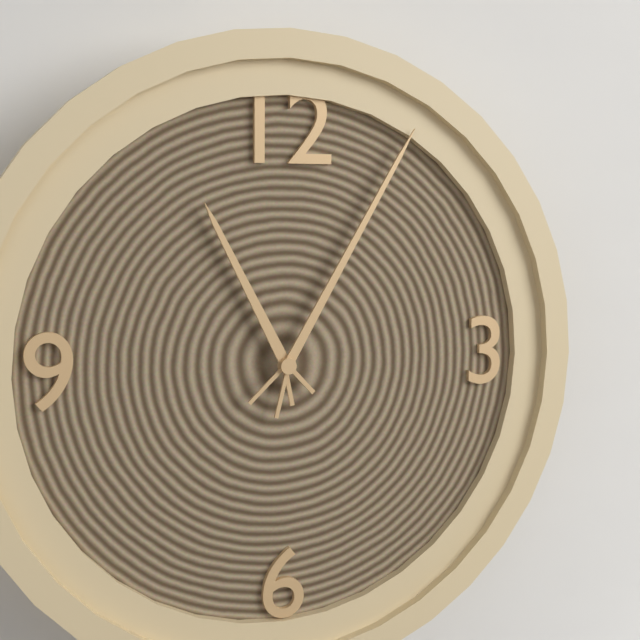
11:05
